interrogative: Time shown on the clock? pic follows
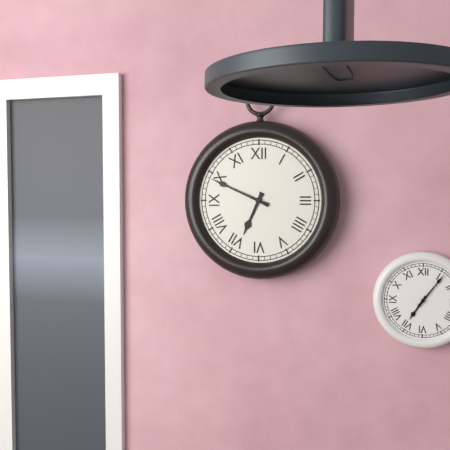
6:49
